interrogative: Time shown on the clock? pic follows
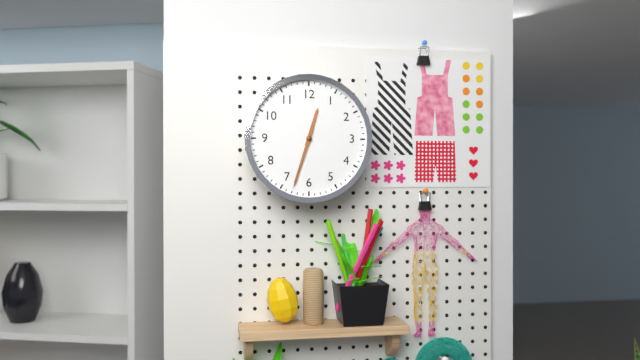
12:33
